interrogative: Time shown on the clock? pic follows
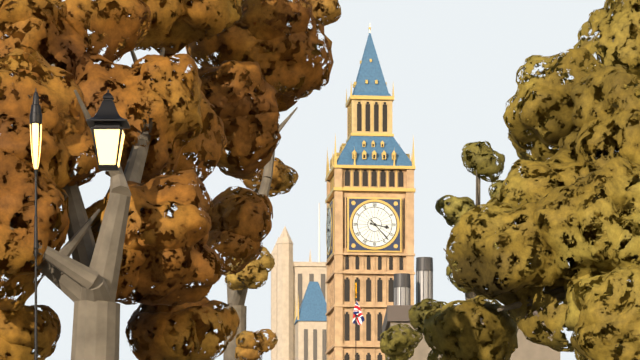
3:23
